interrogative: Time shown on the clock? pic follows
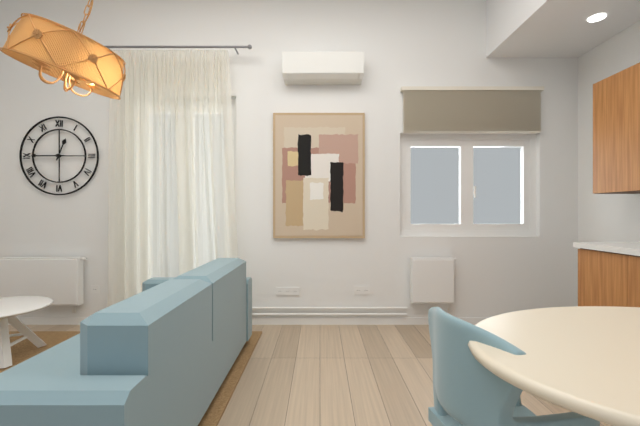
12:45
